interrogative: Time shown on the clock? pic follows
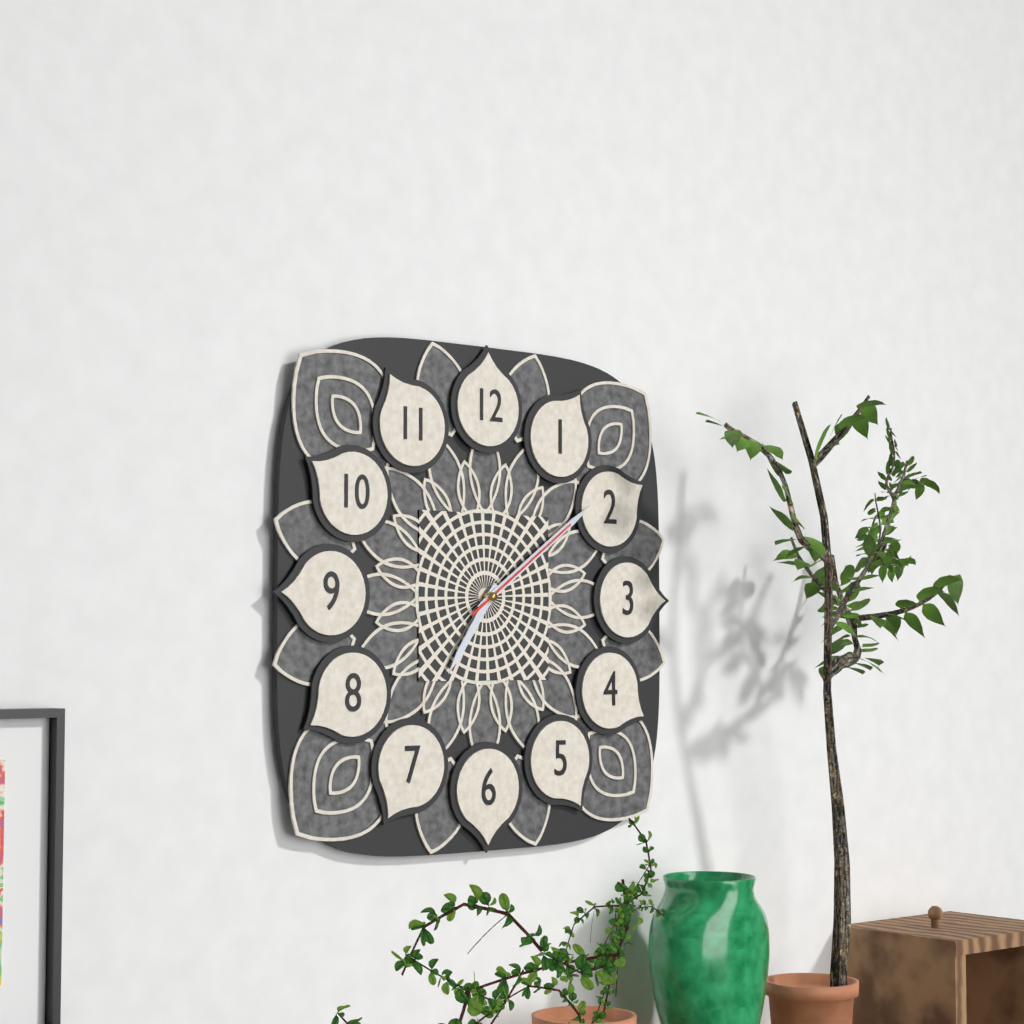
7:09:09
